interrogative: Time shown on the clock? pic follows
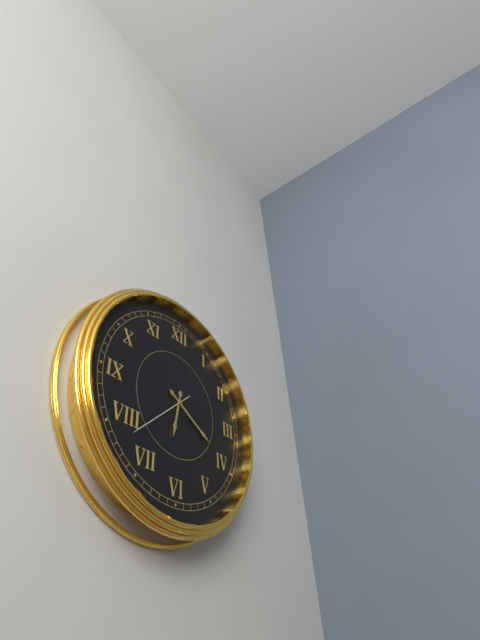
6:20:38
